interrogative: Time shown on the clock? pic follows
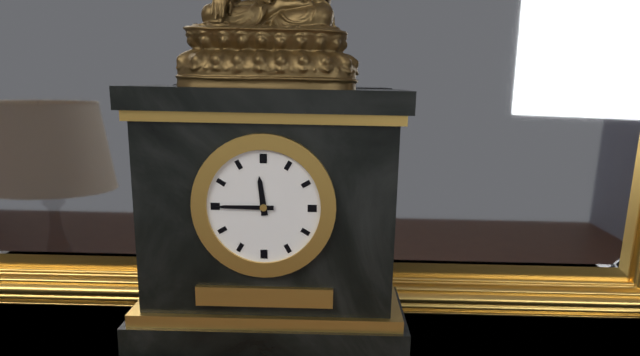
11:45
